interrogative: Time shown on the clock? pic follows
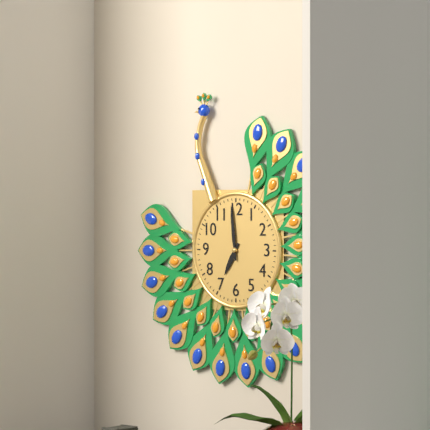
6:59
